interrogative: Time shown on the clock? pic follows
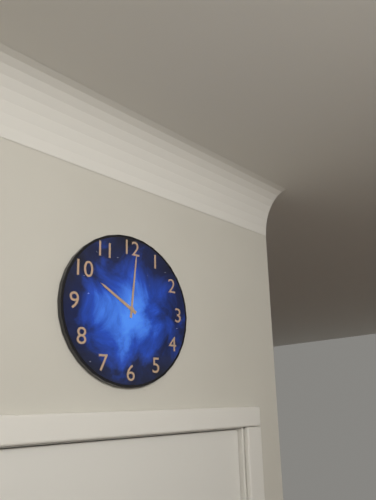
10:01
